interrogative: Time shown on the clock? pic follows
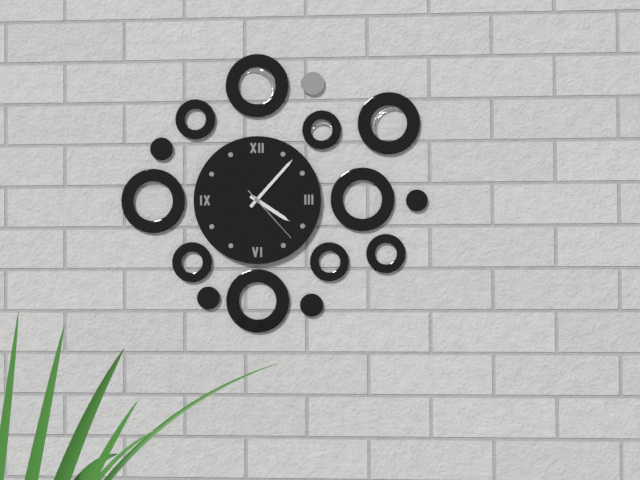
4:07:23
